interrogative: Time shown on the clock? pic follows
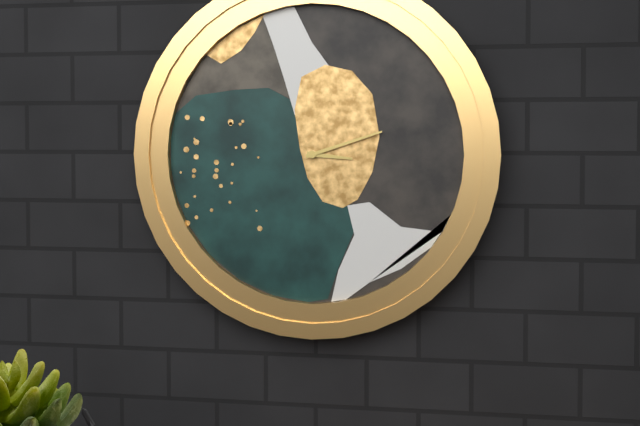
3:12
